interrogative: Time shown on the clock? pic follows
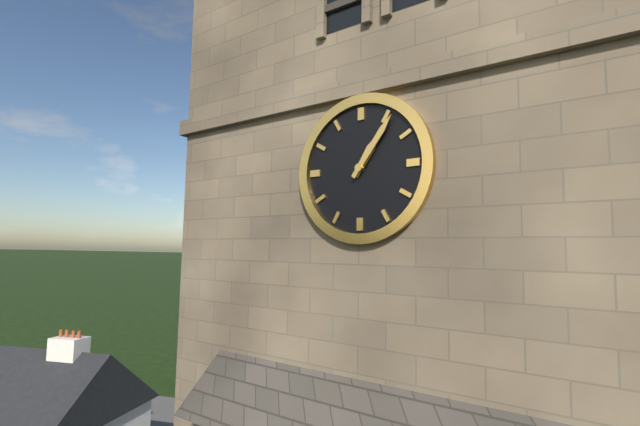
1:06
